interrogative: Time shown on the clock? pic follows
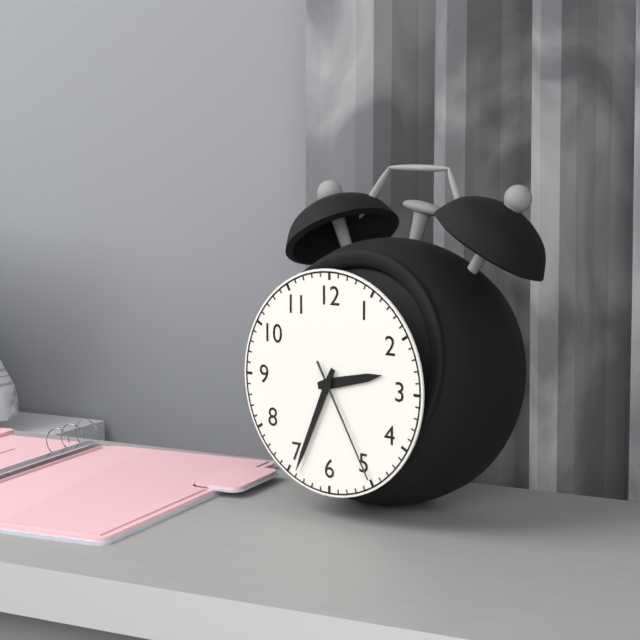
2:34:25
